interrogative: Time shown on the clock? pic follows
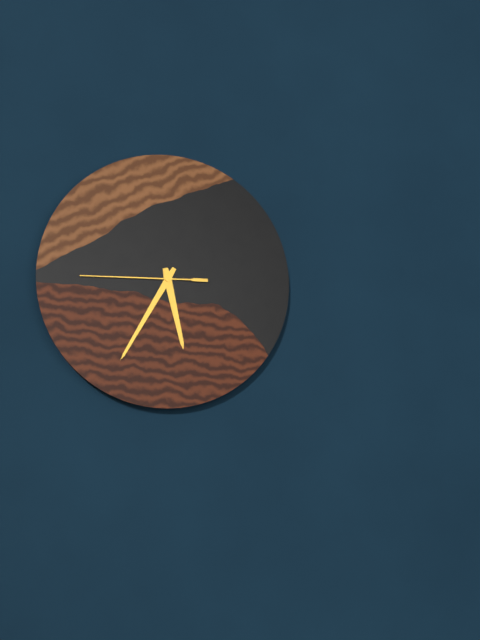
5:35:45
